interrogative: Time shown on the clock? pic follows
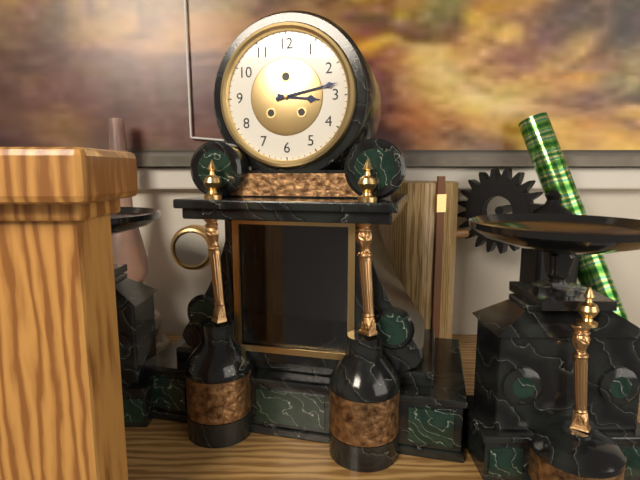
3:13
